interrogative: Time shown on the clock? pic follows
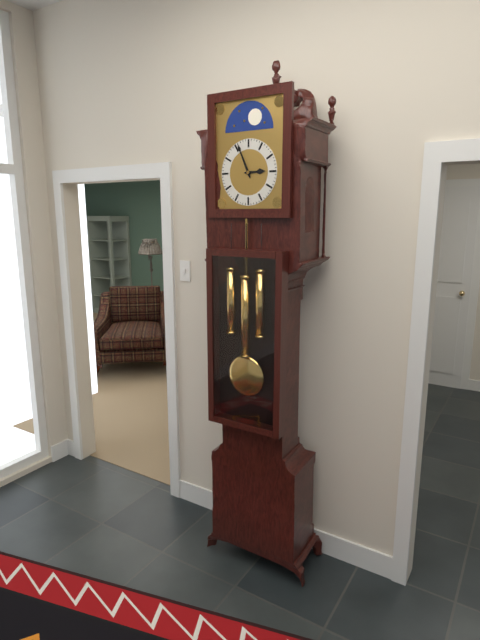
2:56
